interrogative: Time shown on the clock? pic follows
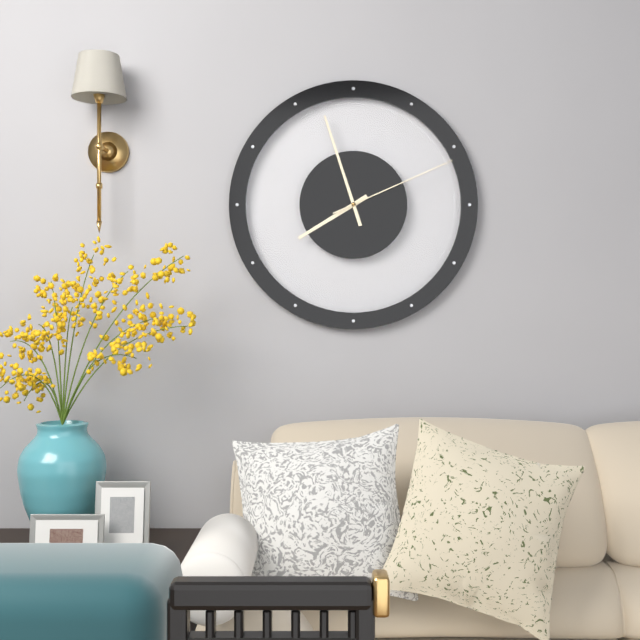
7:57:11
